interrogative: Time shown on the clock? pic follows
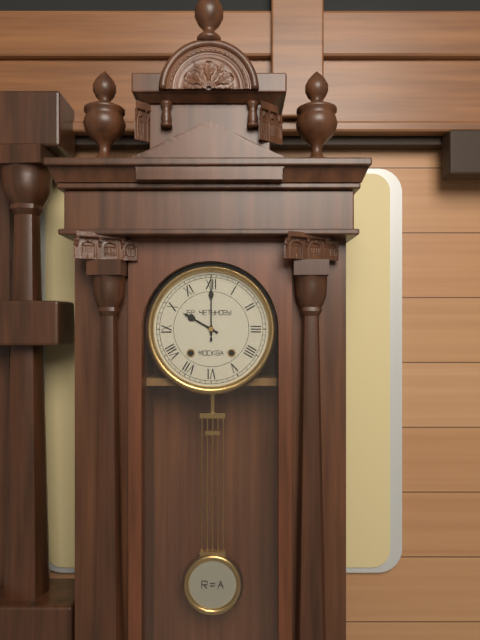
10:00
